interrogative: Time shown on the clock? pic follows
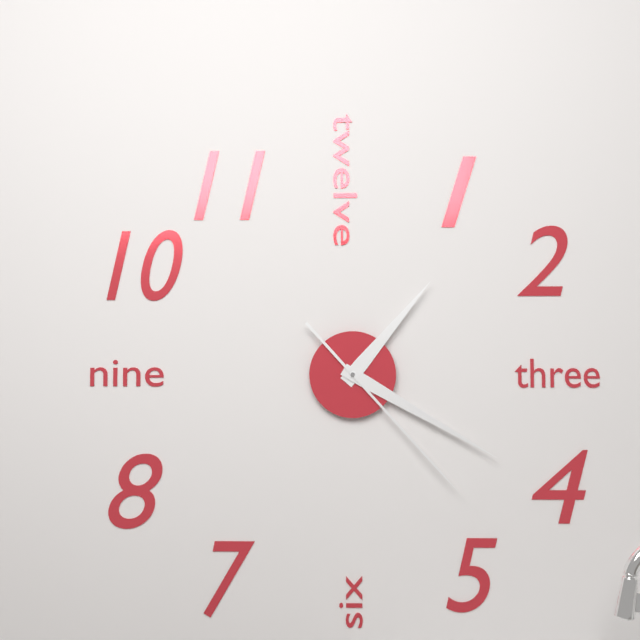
1:20:23
